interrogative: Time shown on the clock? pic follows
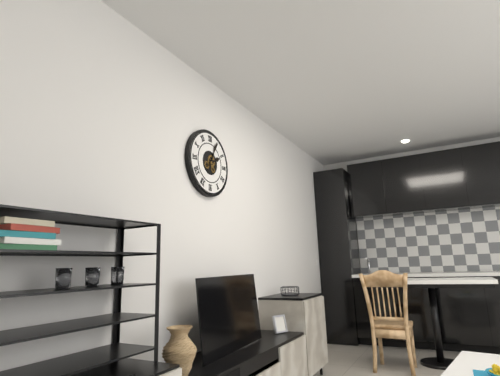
2:04
